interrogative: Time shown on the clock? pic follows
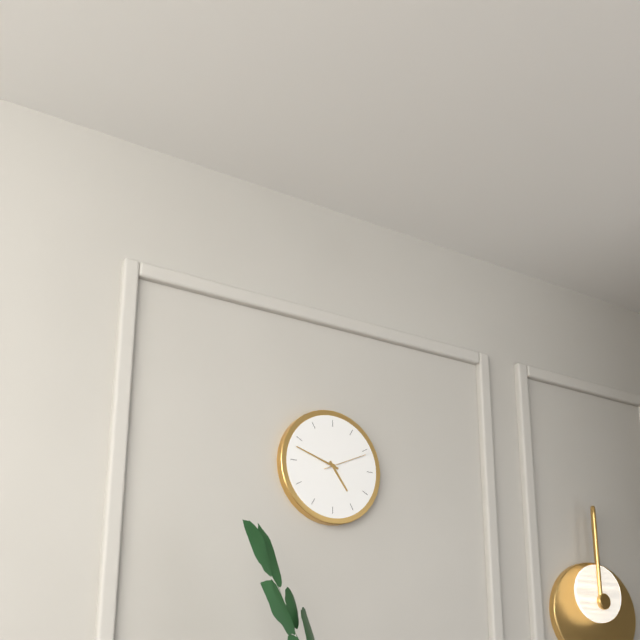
4:48
